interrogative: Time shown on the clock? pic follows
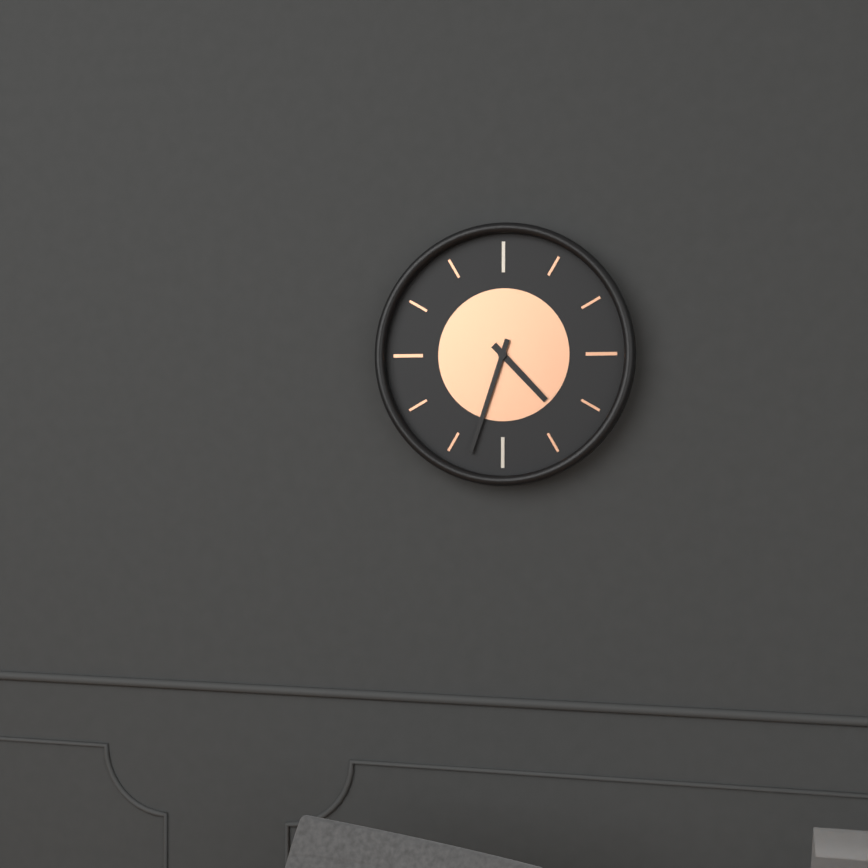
4:33
